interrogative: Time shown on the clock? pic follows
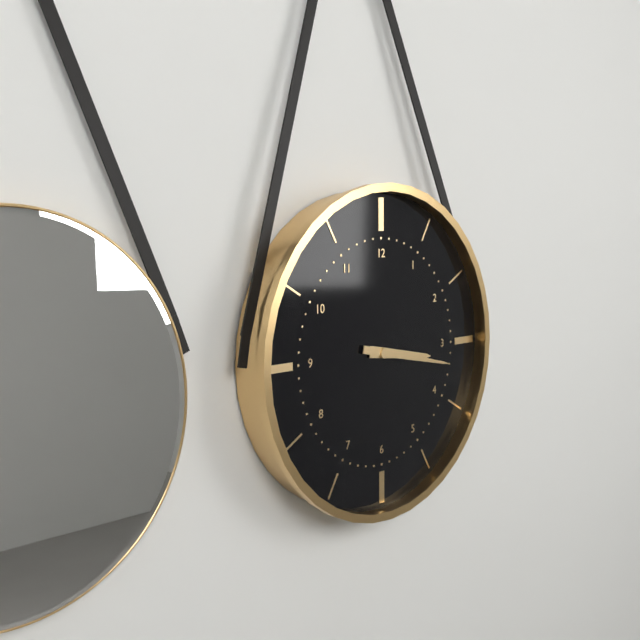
3:17
